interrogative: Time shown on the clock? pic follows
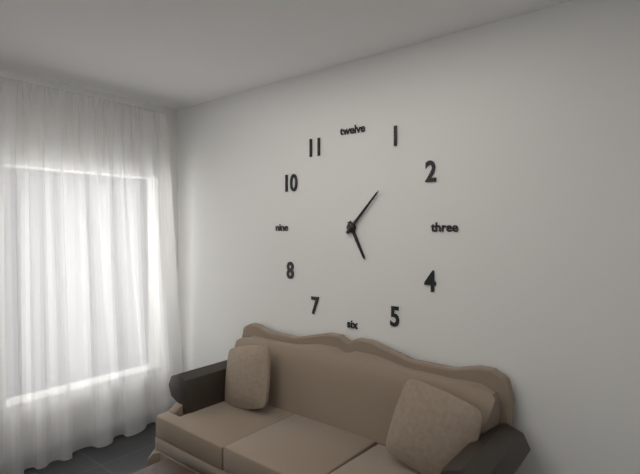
5:07
